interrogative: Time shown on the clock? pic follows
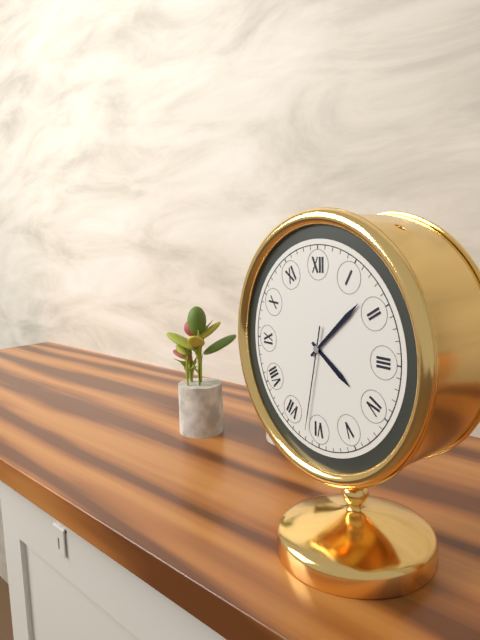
4:08:32
